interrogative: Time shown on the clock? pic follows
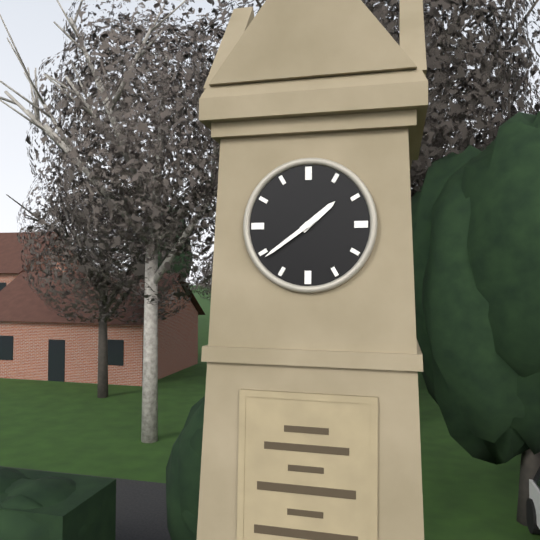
1:39
